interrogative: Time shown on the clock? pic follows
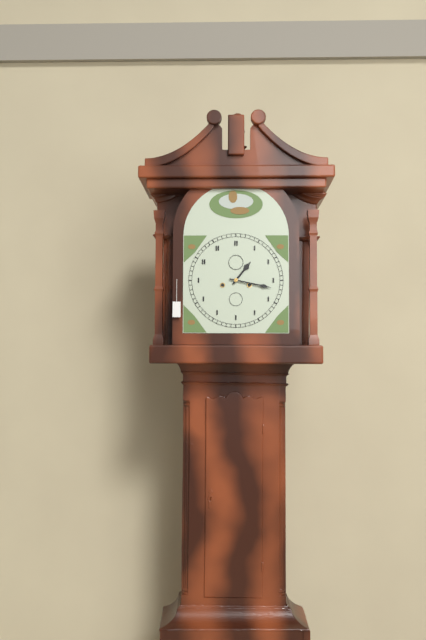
1:17
